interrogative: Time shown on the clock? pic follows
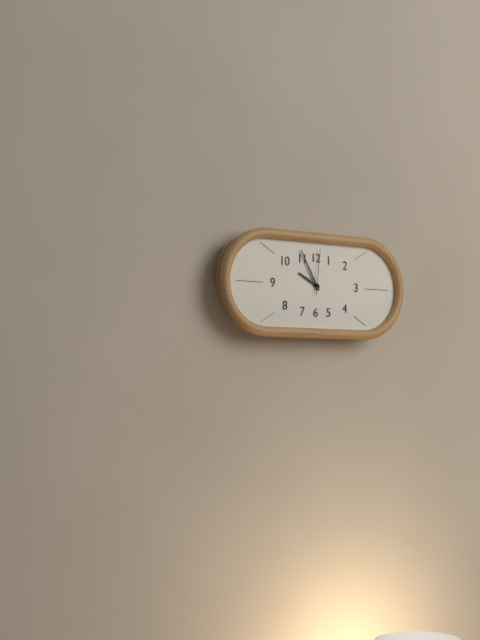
9:55
